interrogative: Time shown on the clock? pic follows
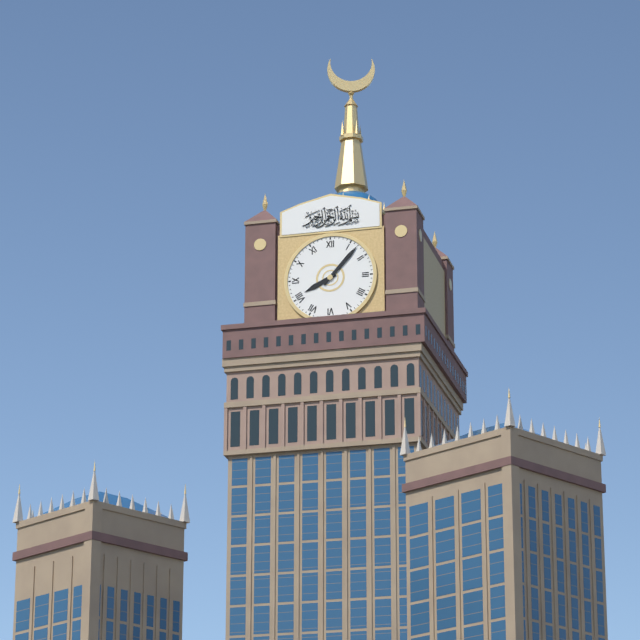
8:07
